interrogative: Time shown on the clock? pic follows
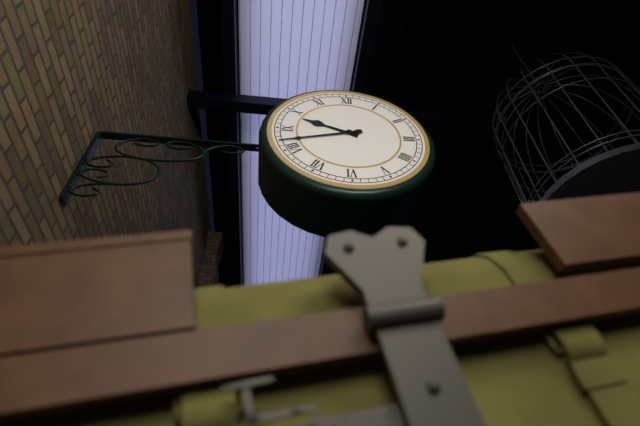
9:42
